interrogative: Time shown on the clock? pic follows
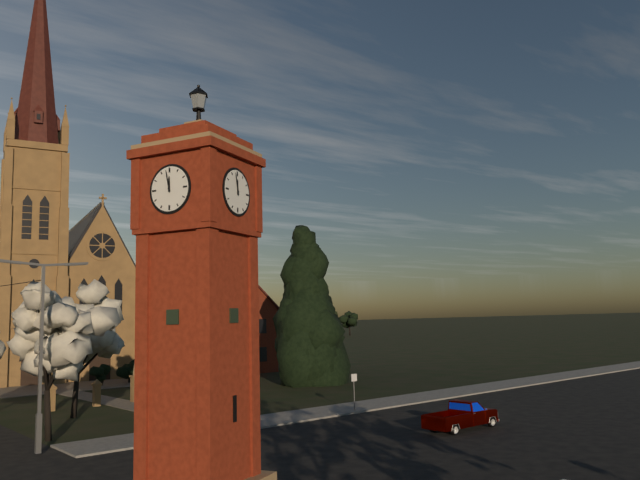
11:58
